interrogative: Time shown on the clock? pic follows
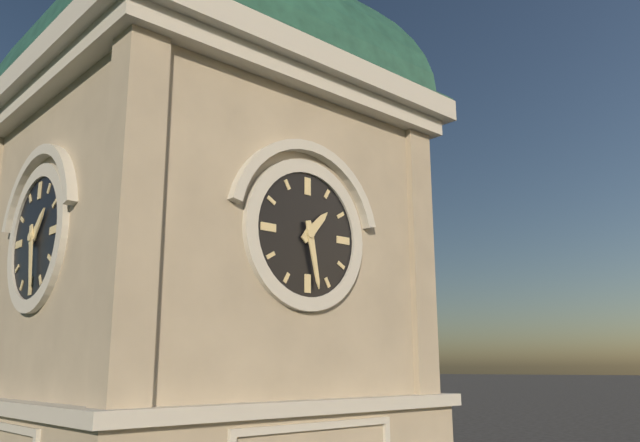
1:28
